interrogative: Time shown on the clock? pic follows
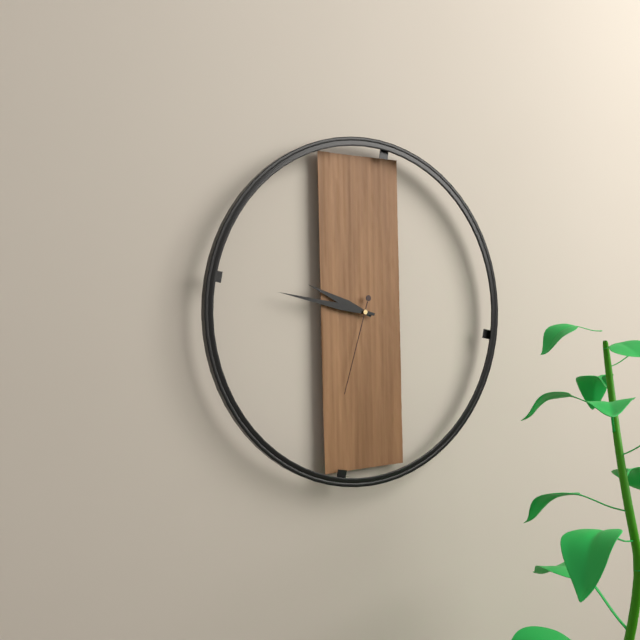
9:47:33
